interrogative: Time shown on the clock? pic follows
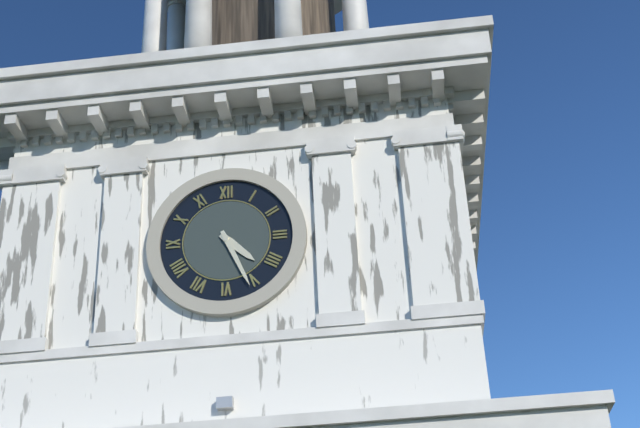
4:26
